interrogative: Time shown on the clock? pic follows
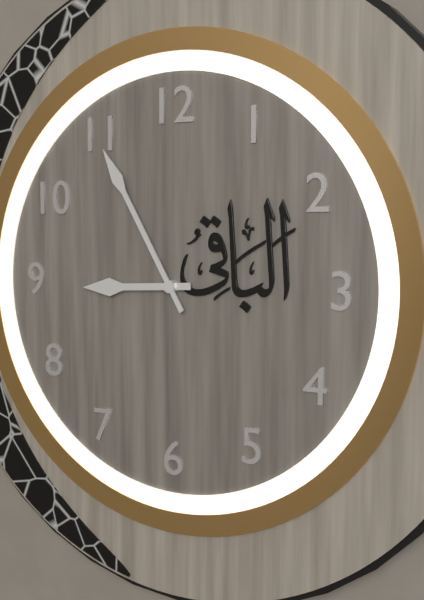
8:55
